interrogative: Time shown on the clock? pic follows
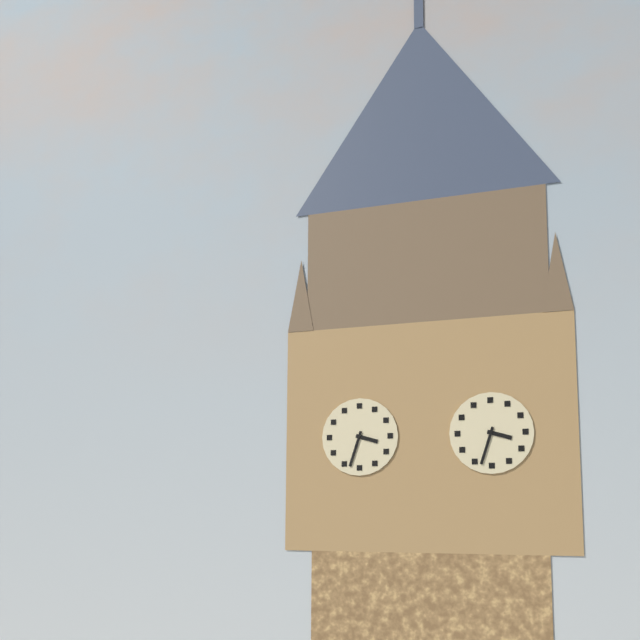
3:33
